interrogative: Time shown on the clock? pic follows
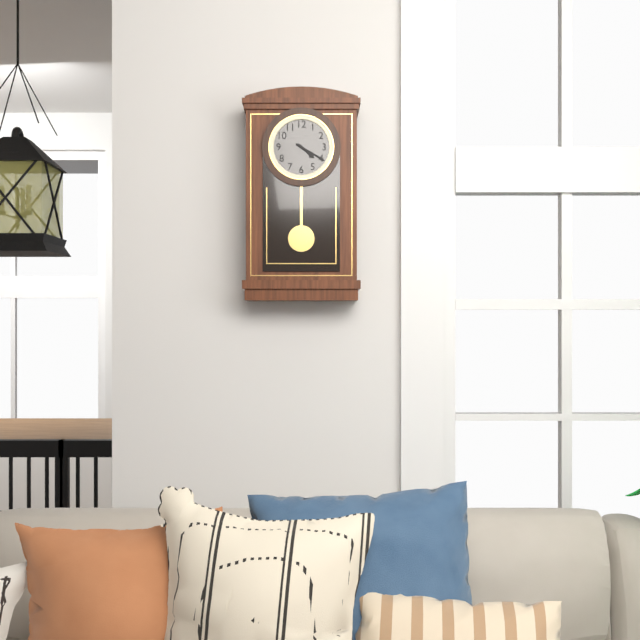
4:20
